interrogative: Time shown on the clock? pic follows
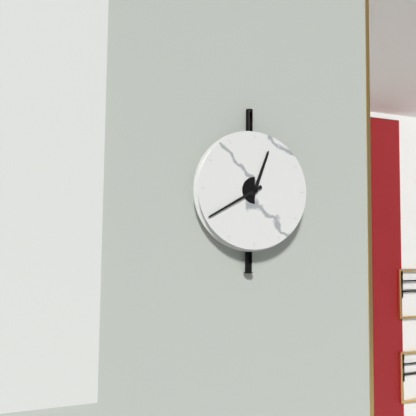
12:40
